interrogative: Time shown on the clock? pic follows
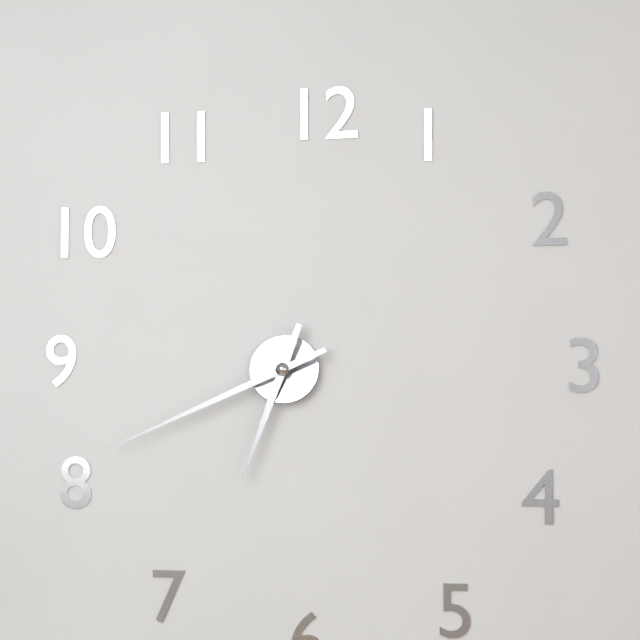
6:41
